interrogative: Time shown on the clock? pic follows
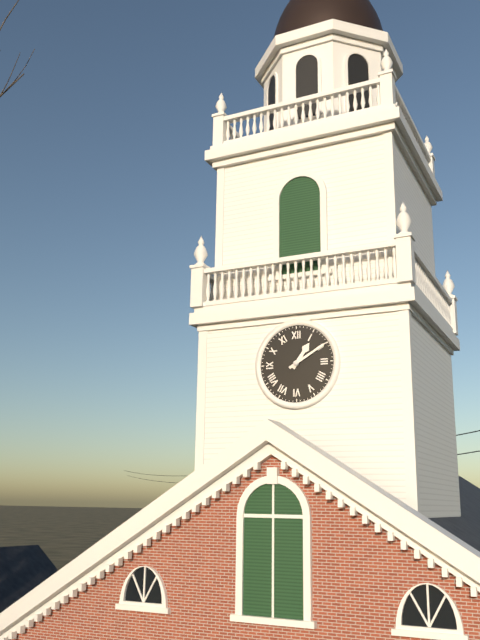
1:10
